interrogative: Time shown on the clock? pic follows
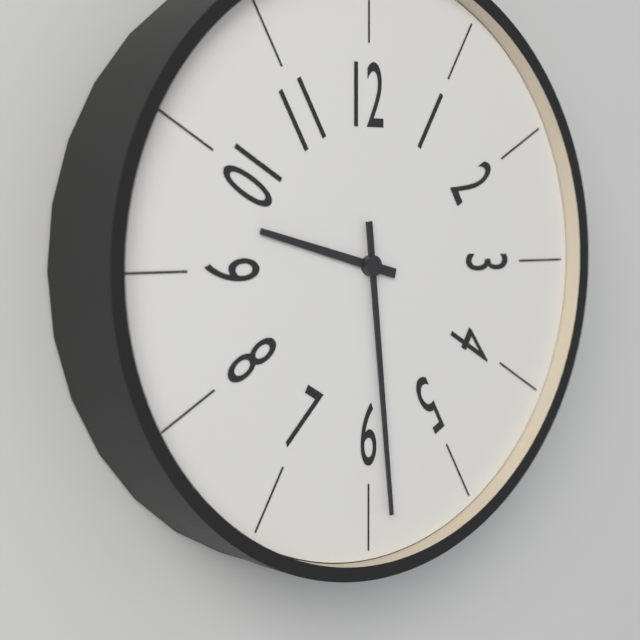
9:29
